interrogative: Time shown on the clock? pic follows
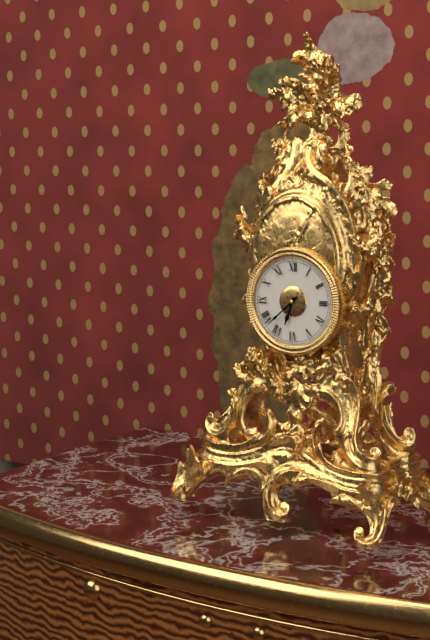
6:38
